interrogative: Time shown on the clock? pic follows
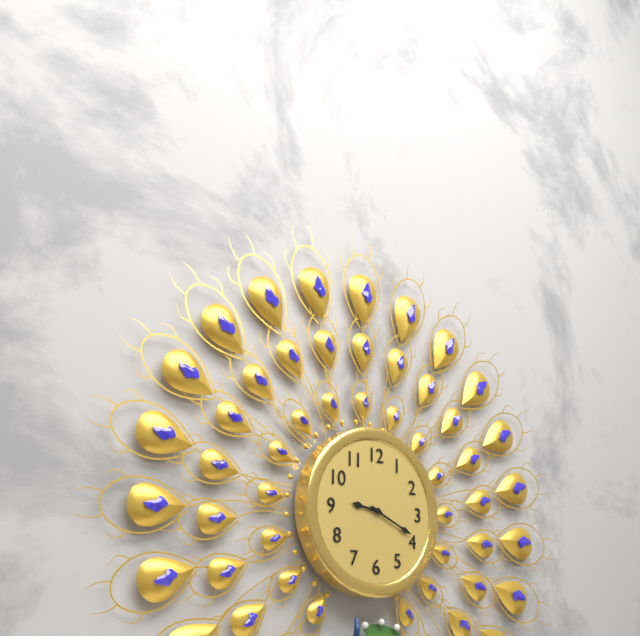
9:19
